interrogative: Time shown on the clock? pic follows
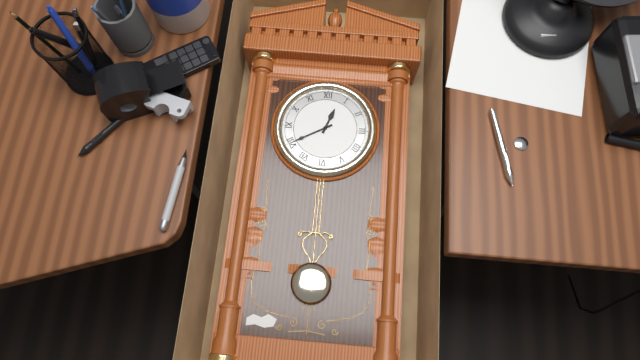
12:40
